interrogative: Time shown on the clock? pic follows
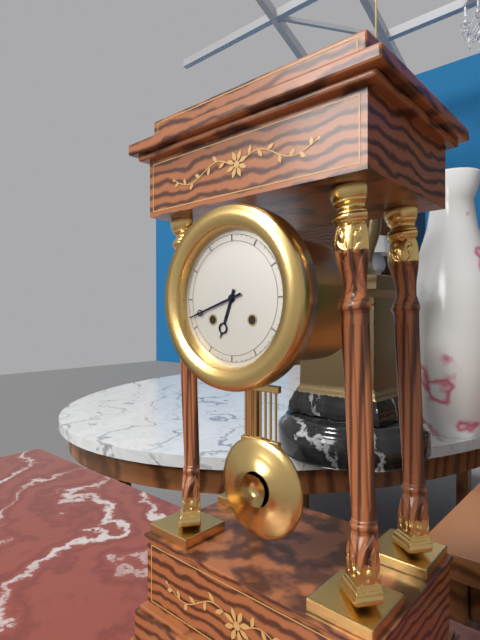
6:42
